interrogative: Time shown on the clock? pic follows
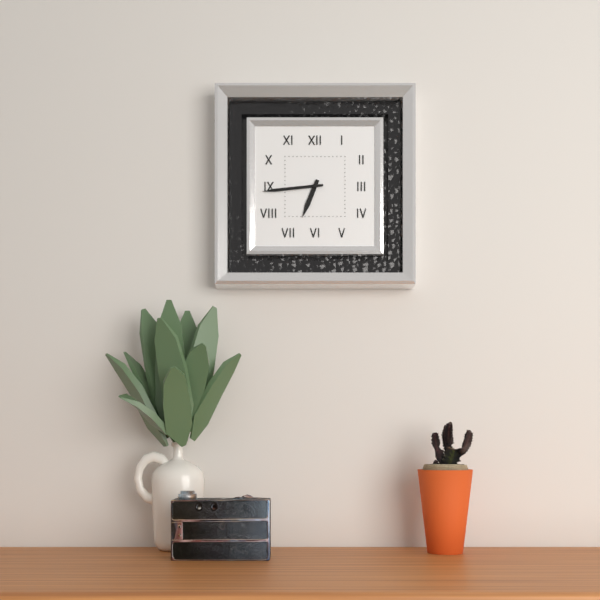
6:44
